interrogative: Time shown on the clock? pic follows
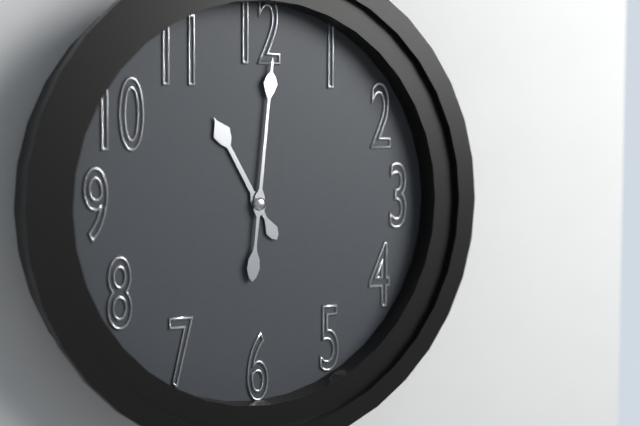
11:01
